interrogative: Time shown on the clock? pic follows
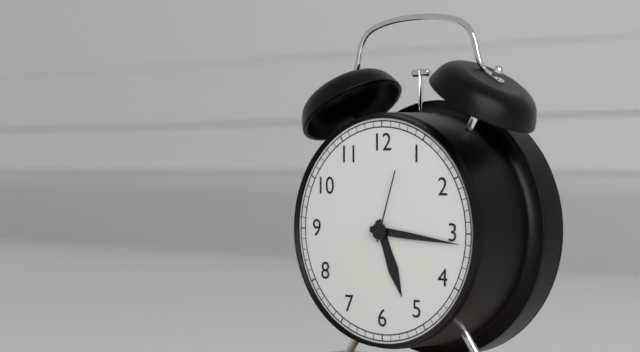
5:16:03
